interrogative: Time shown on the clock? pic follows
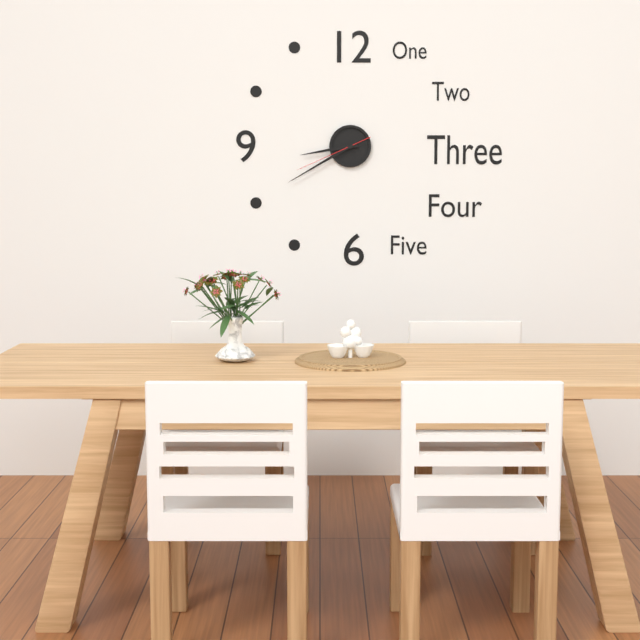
8:40:41
